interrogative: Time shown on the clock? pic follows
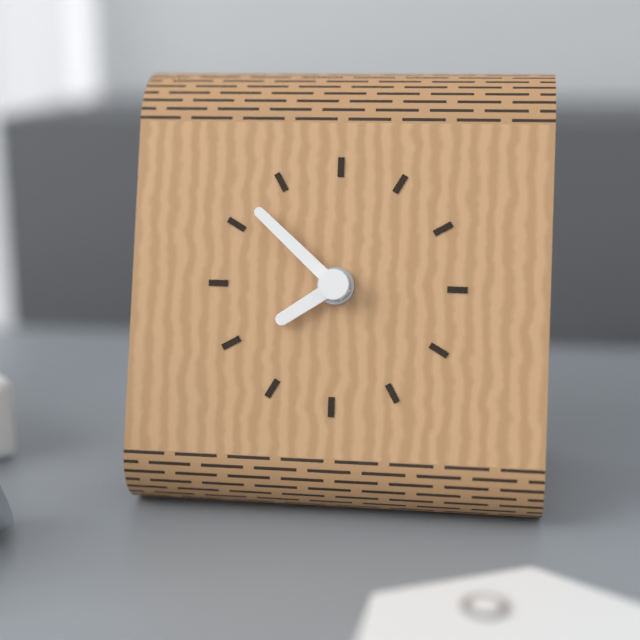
7:52
